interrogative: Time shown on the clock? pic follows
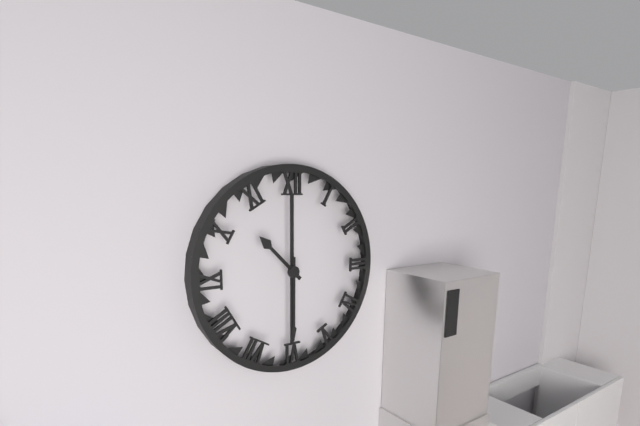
10:30
